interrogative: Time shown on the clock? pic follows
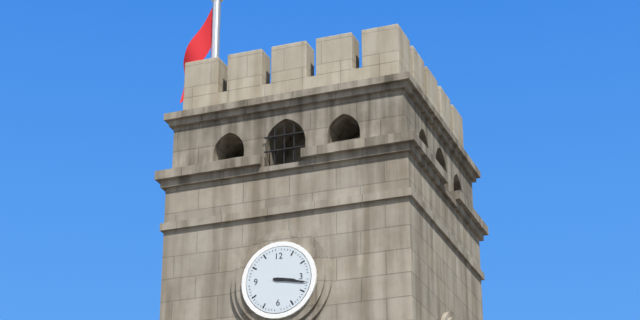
3:17
